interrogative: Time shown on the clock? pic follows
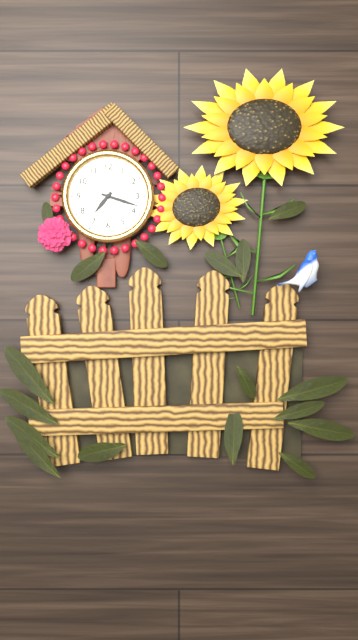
7:18
